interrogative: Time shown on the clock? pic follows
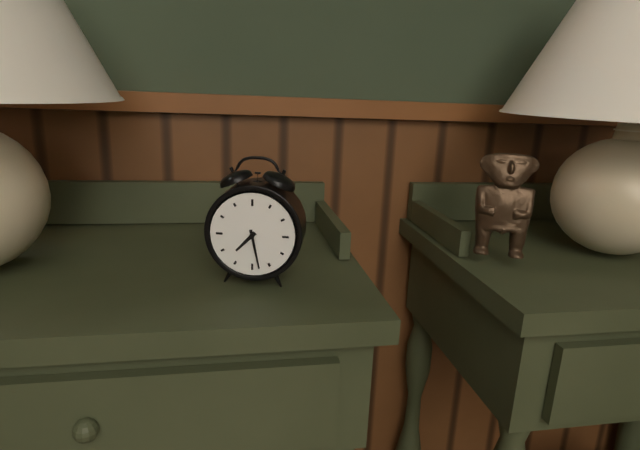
7:28
